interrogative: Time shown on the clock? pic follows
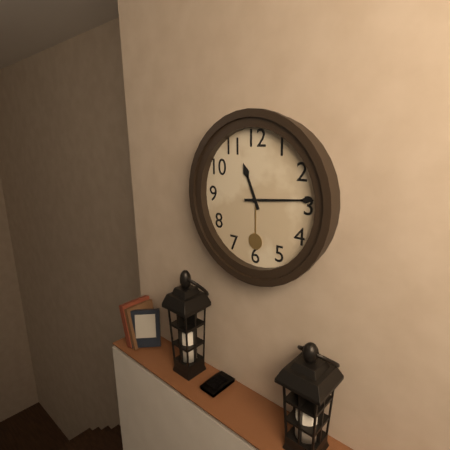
11:14
